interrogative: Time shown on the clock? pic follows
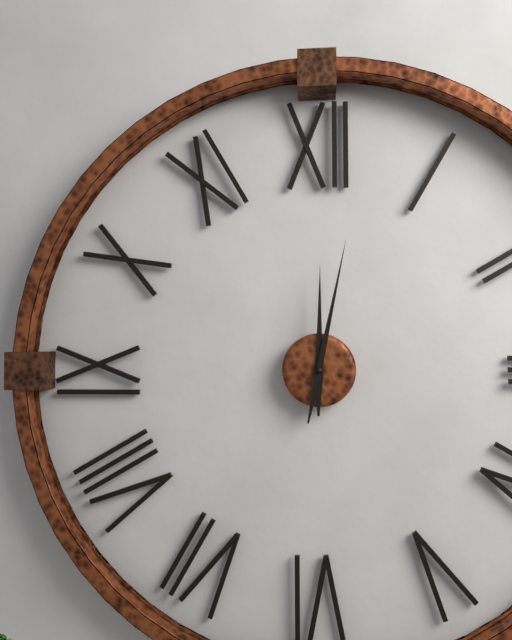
12:02
